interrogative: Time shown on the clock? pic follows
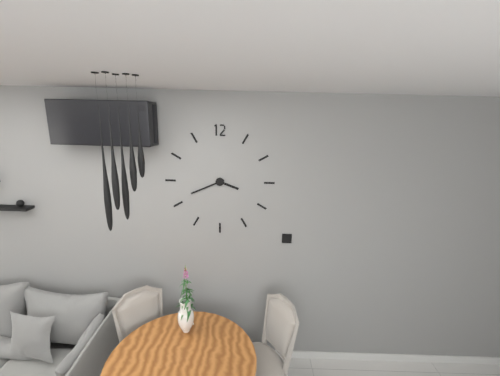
3:41
